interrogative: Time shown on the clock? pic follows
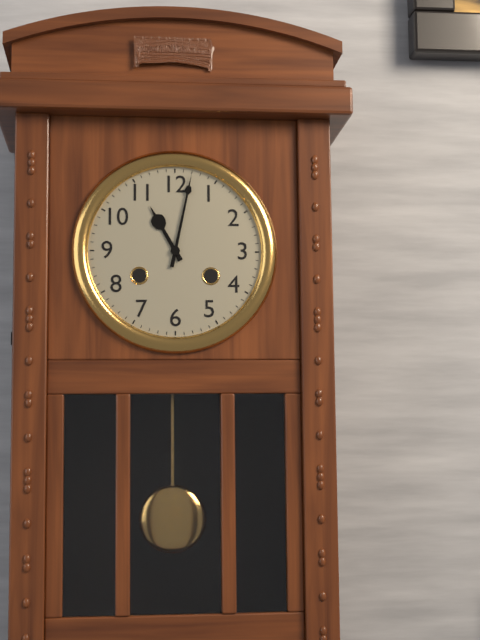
11:02
